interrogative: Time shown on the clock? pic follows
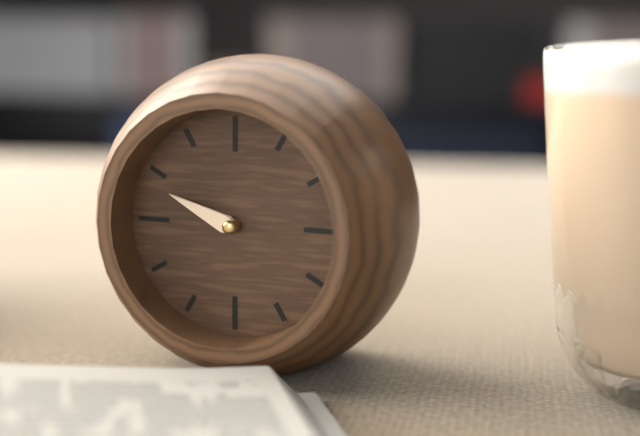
9:49
